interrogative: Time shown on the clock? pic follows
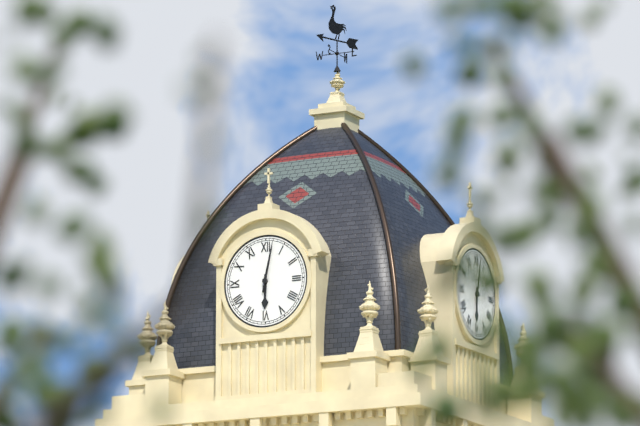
6:02
